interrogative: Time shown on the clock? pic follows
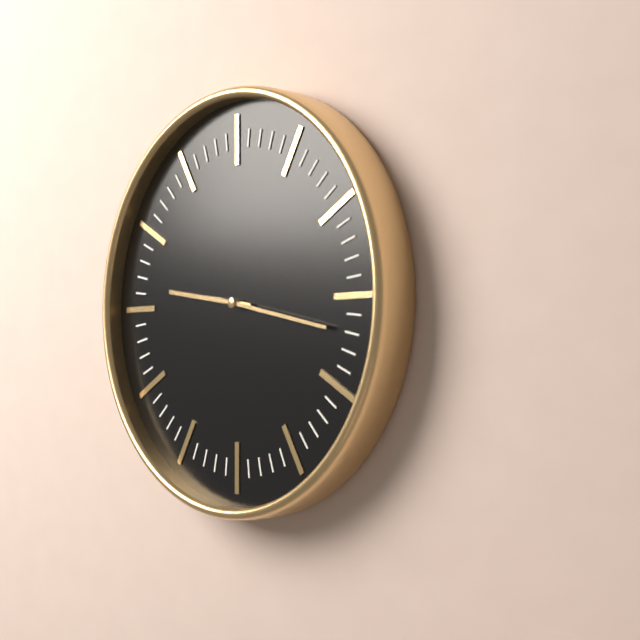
9:17
